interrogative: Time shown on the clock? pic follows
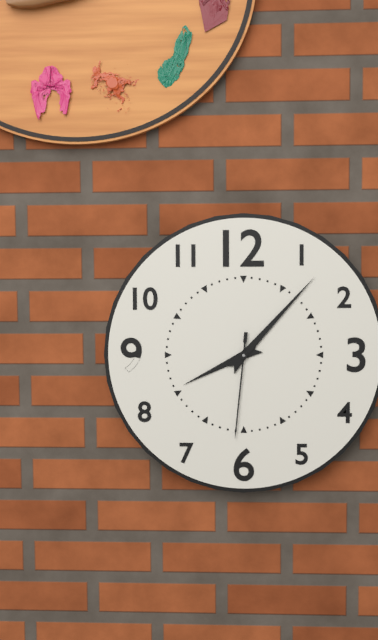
8:07:31
